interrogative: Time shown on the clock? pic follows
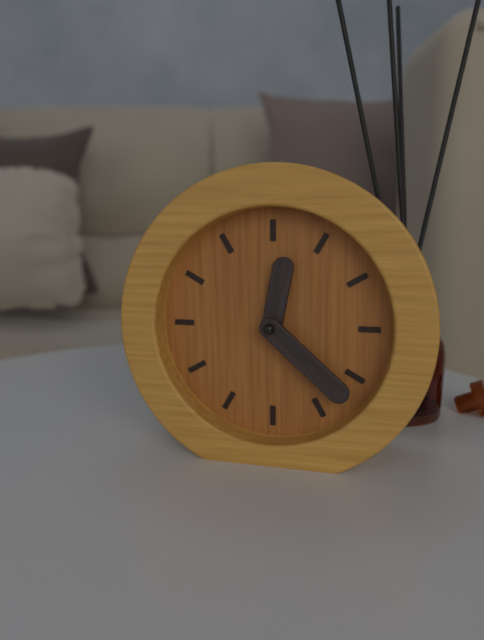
12:22
